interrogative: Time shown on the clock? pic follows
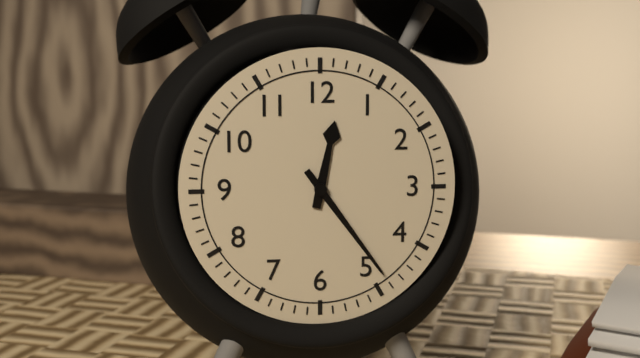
12:24
